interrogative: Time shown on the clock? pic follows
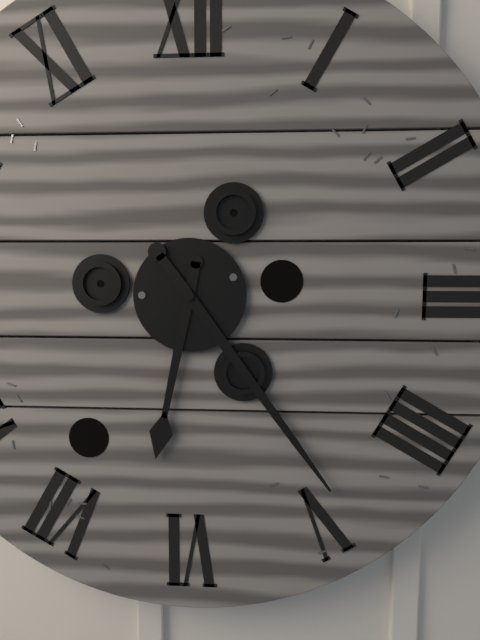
6:24
